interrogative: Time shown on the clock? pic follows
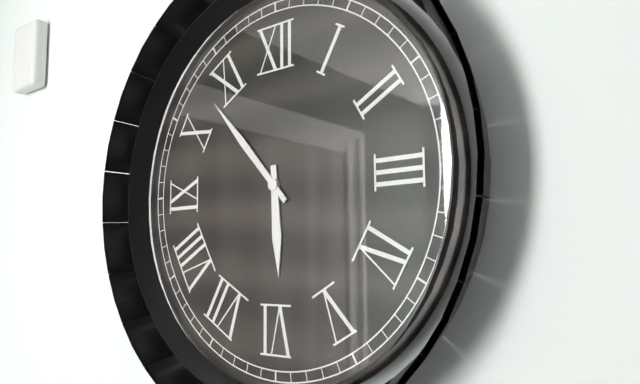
5:53
